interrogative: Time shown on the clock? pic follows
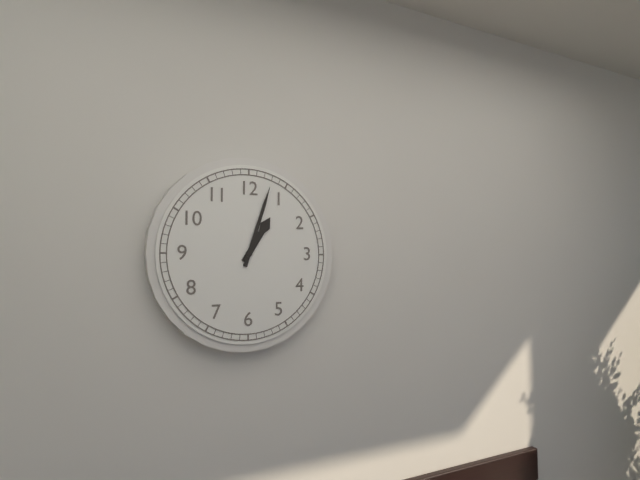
1:03
